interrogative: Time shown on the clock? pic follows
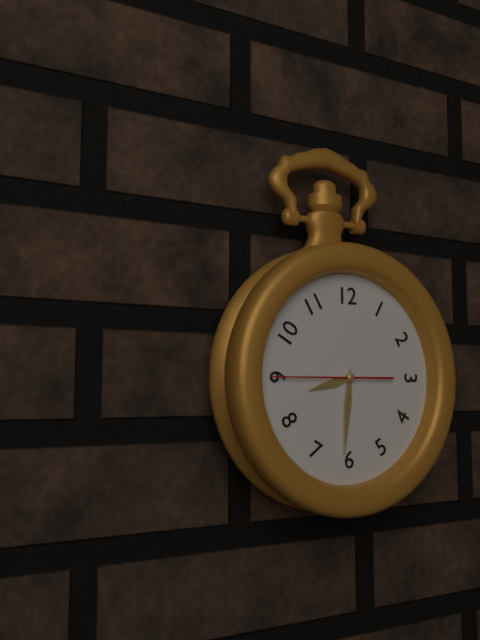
8:31:45
